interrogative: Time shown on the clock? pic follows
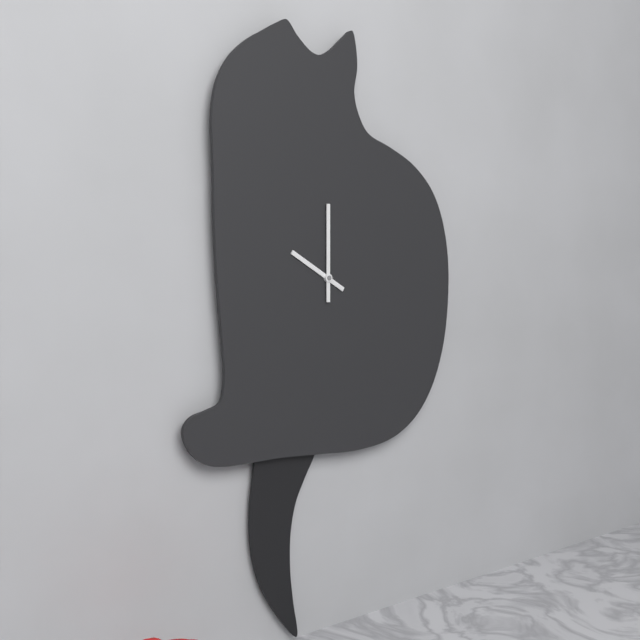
10:00
